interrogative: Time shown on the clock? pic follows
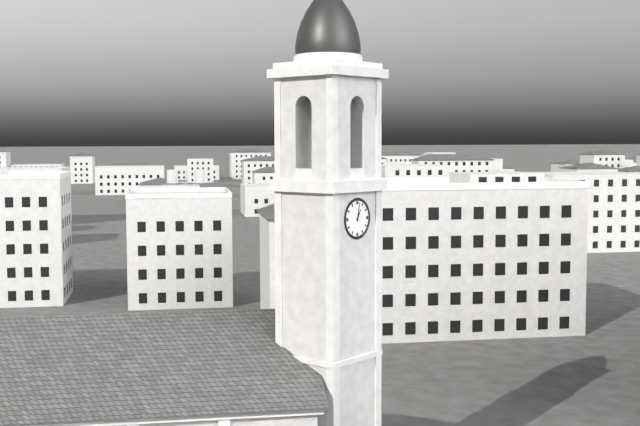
1:02
